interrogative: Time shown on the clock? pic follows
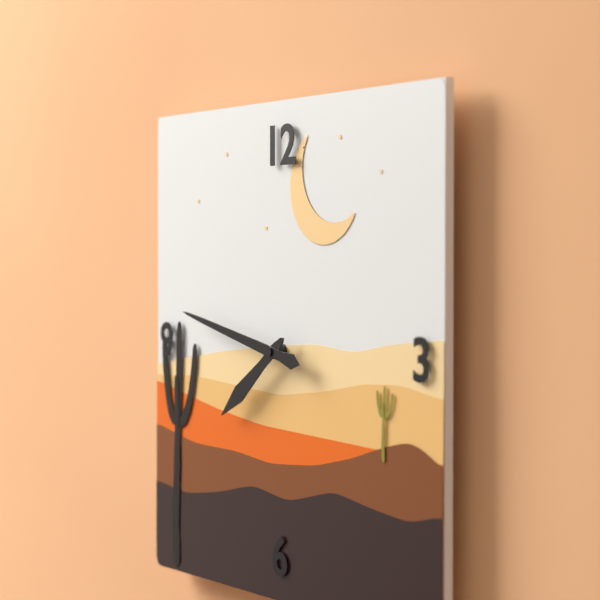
7:47
